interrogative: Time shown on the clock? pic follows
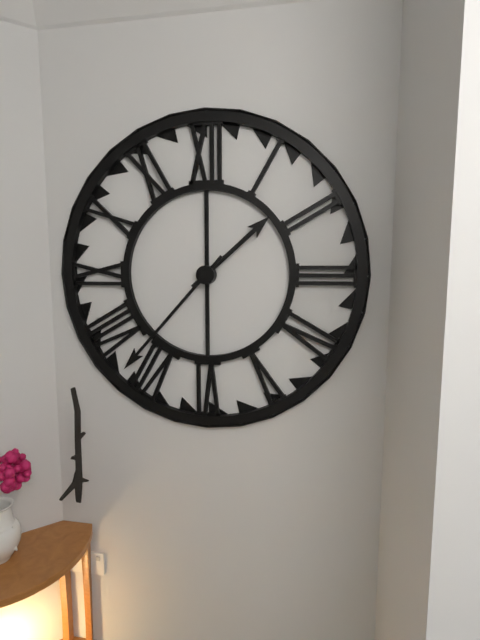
1:37
